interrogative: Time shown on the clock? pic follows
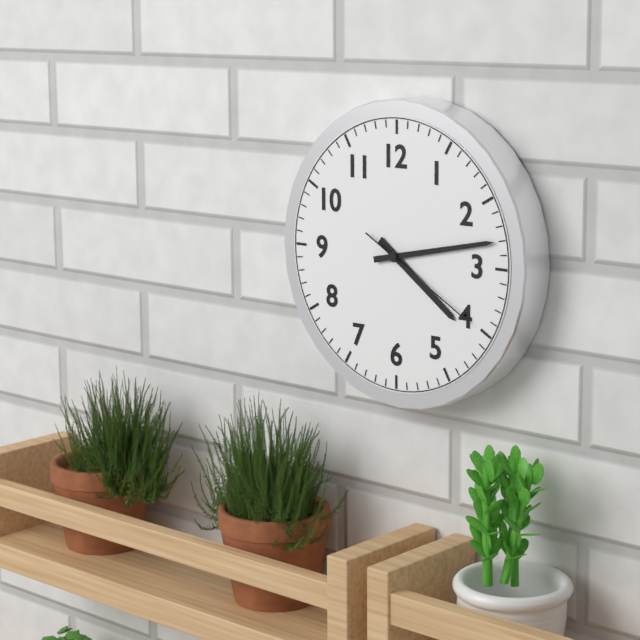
4:13:20
